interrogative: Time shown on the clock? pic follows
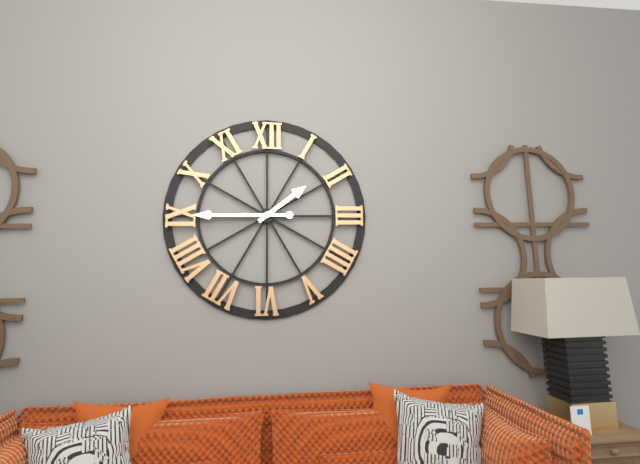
1:45
